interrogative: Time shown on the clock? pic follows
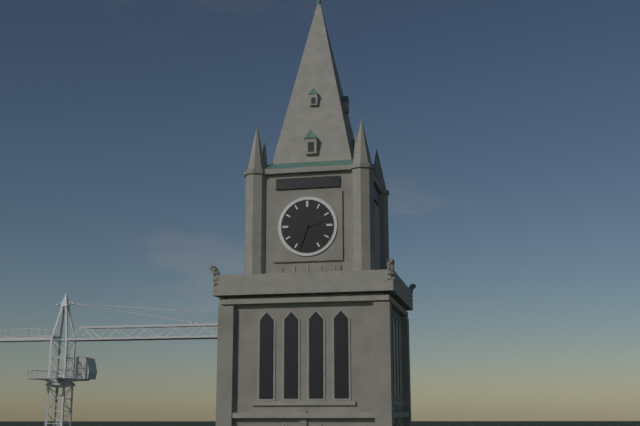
2:33
